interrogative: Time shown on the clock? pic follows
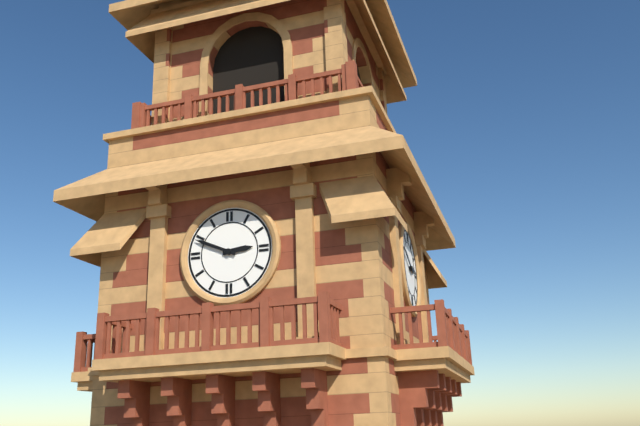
2:49
